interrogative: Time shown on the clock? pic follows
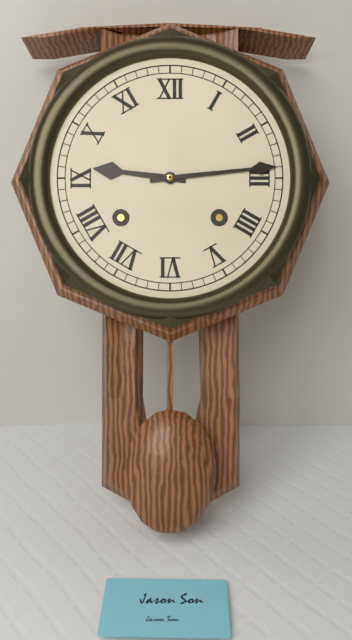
9:14
